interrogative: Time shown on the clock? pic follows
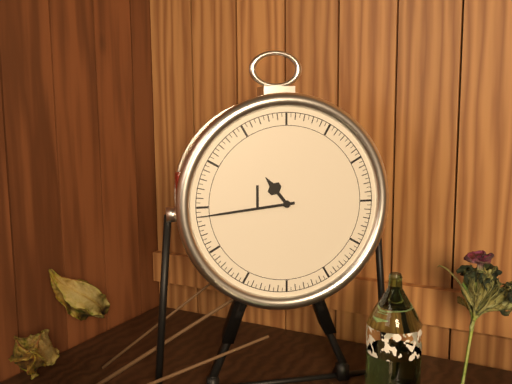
10:44
